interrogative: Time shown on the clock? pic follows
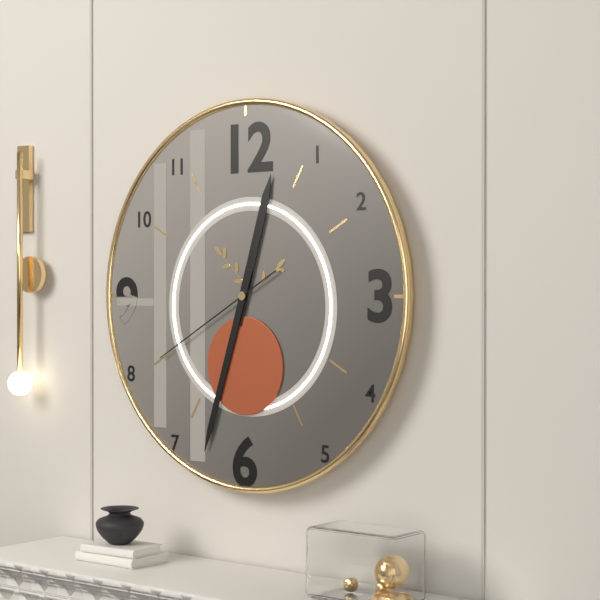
12:33:40
